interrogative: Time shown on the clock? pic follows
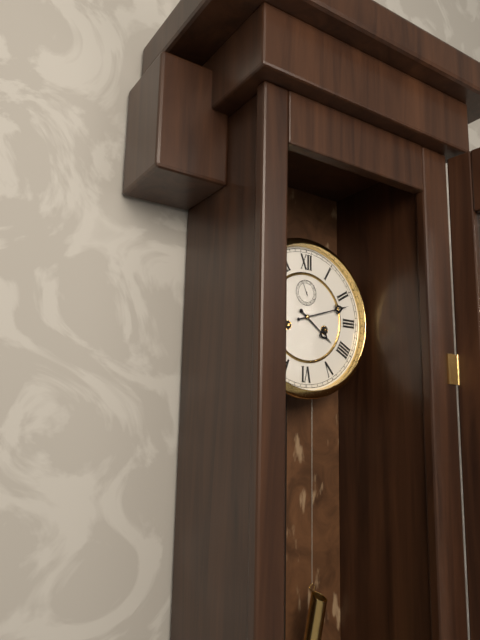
4:12
